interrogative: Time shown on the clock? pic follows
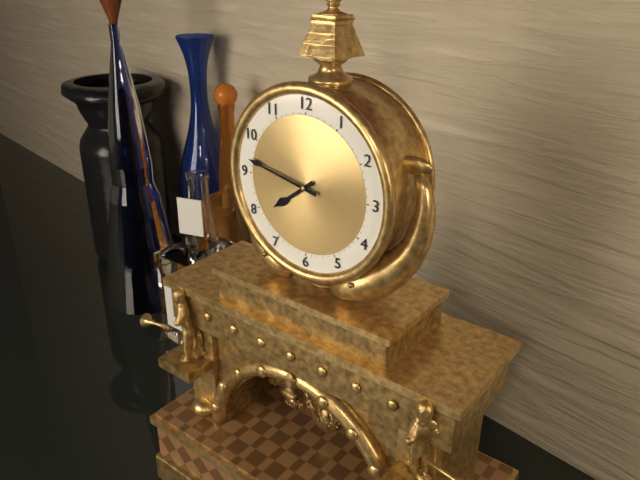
7:47
